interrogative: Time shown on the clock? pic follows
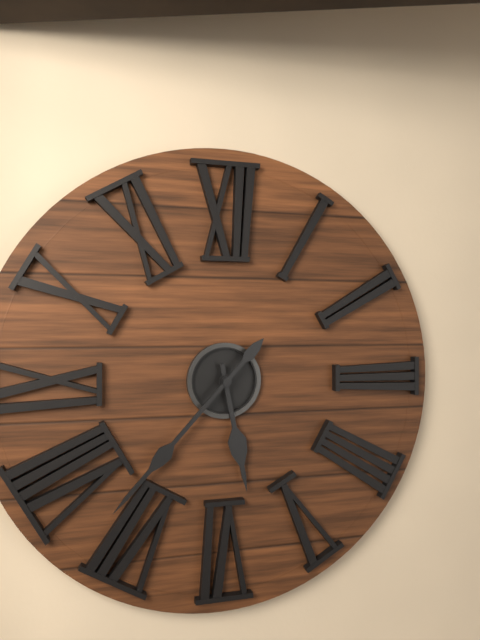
5:37
